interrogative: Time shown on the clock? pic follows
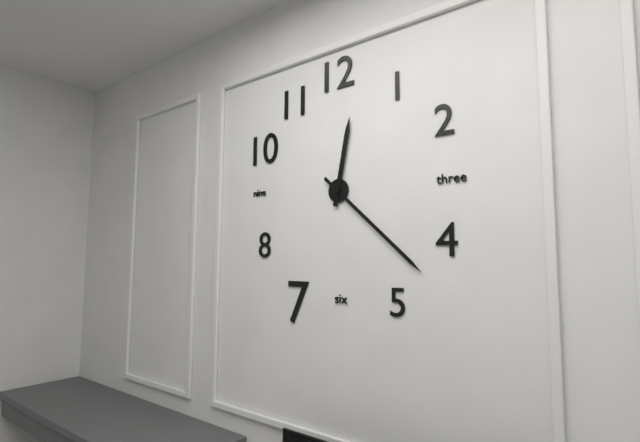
12:22
